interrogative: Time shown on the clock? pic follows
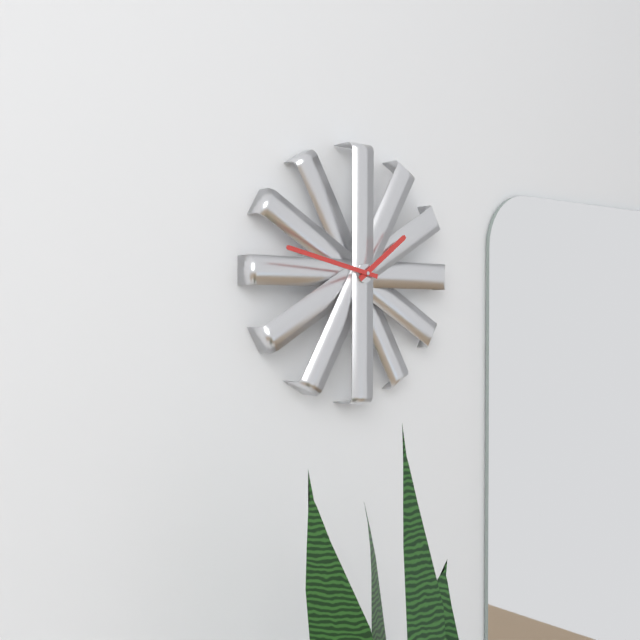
1:47
